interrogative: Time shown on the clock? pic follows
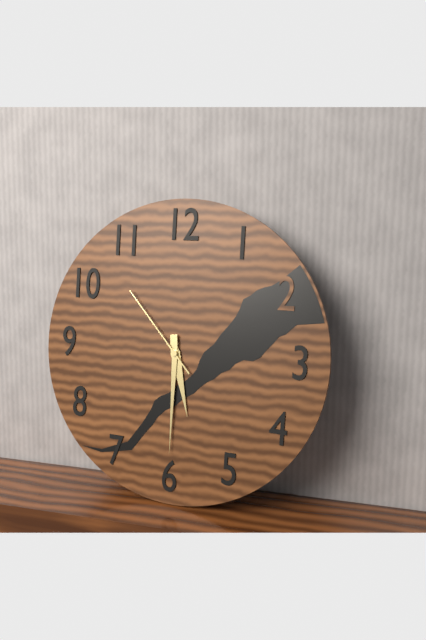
5:30:53
